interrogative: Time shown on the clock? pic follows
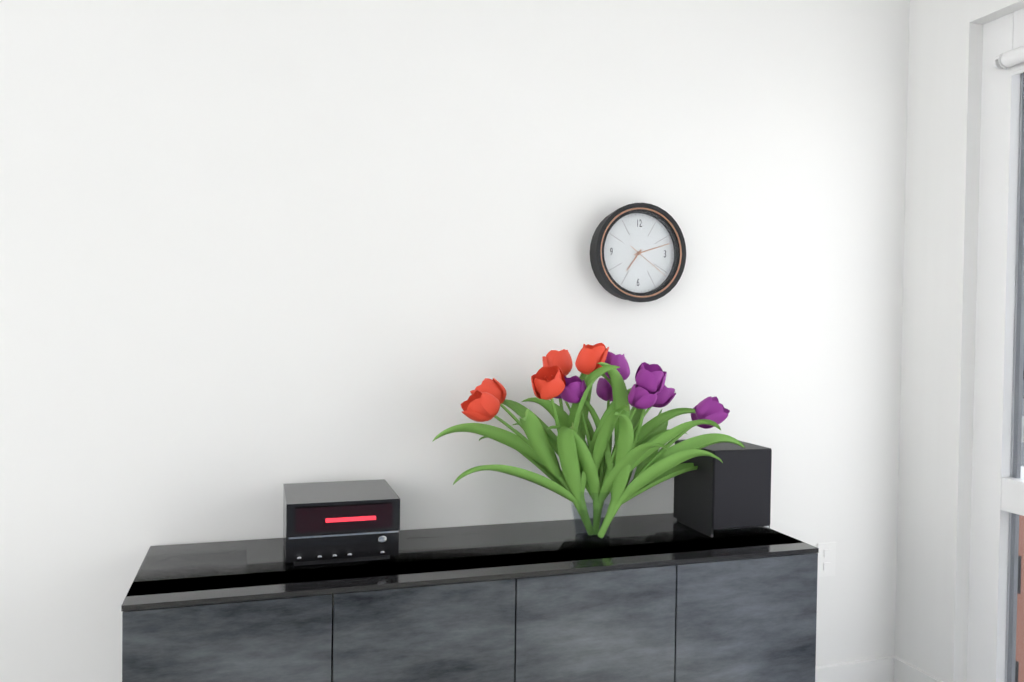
7:12
